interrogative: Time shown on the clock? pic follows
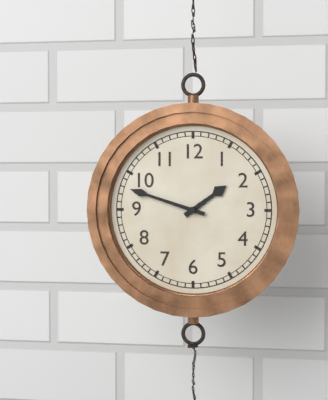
1:48
